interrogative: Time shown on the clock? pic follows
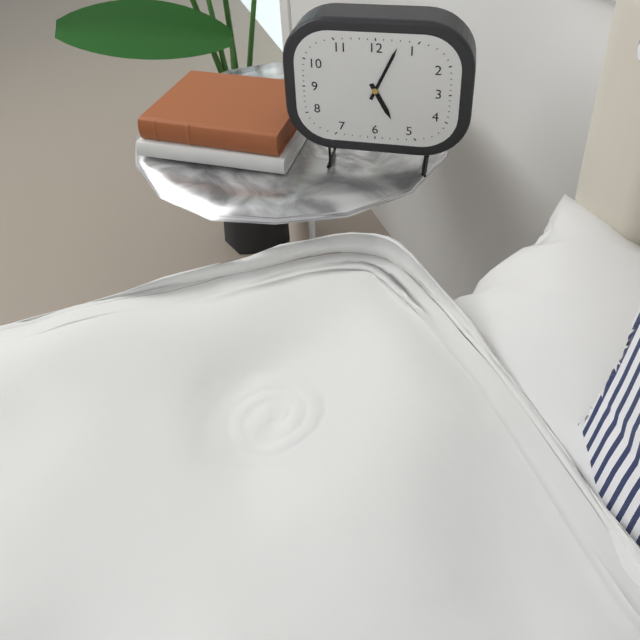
5:04
